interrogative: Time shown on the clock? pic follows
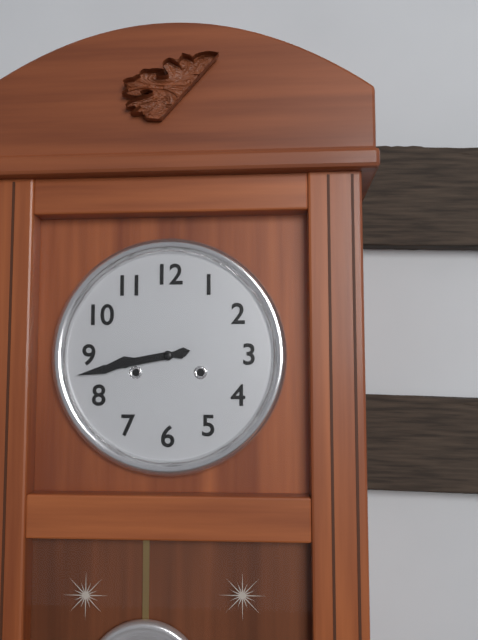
8:43
